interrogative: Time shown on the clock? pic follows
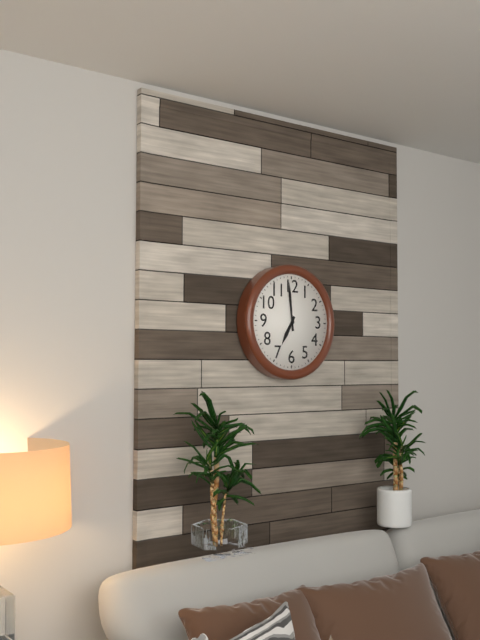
6:59
